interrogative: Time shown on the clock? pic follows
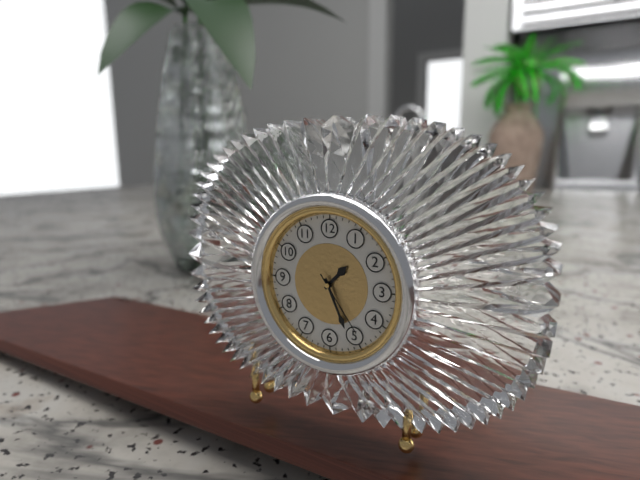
1:26:24
